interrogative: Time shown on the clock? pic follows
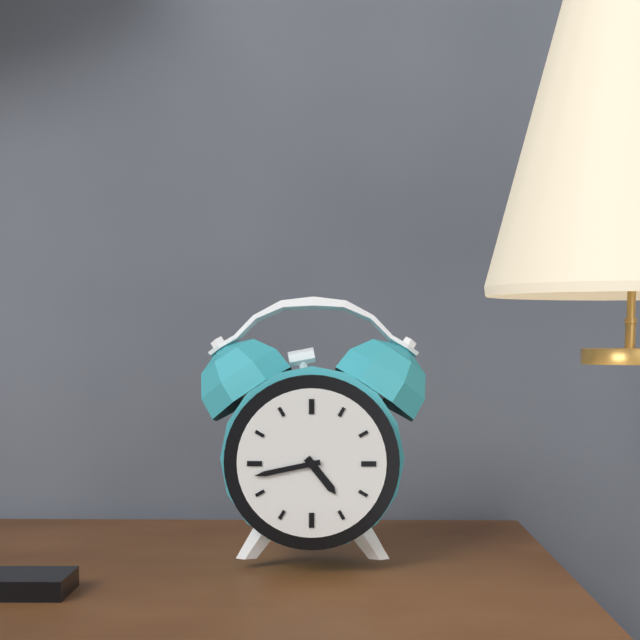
4:43
